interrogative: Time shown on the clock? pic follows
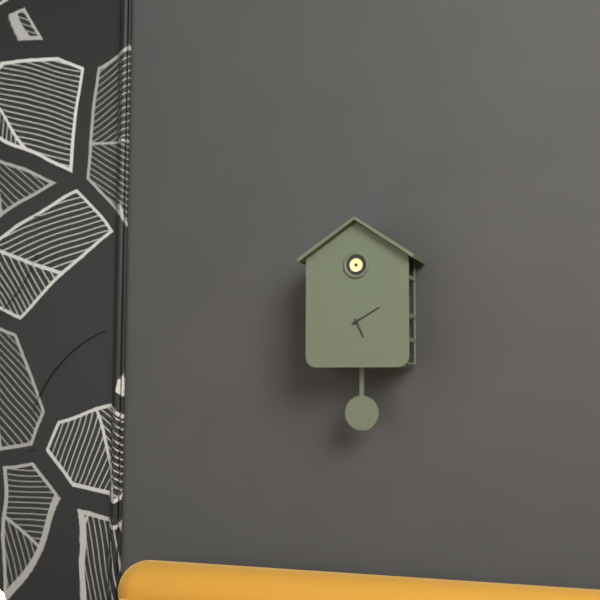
5:10
